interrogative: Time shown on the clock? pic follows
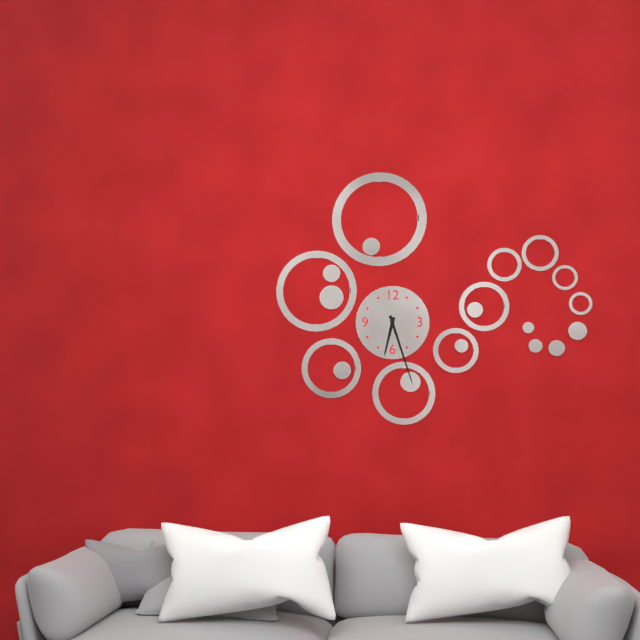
6:27
